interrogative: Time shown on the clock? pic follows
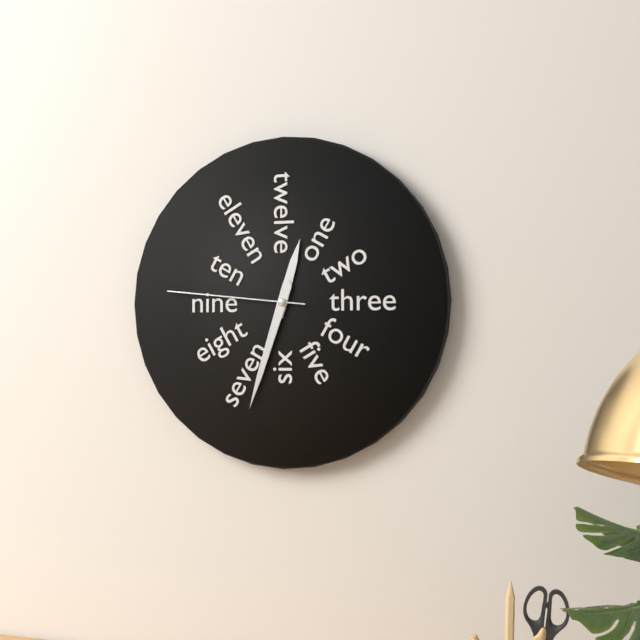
12:33:46
